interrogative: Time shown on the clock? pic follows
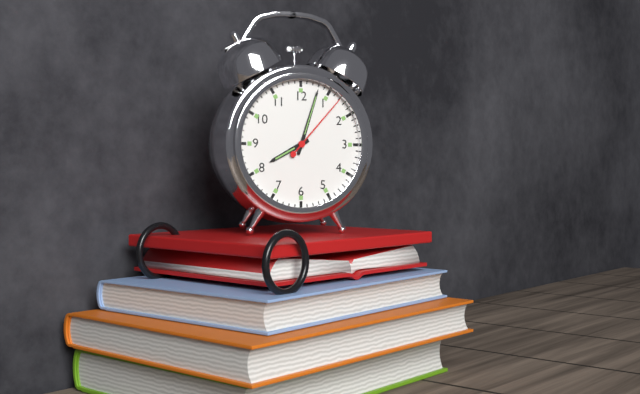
8:03:07
